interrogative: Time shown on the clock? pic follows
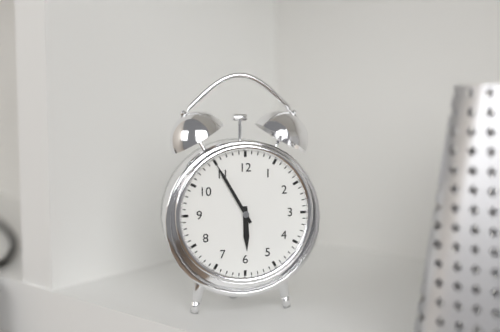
5:55
